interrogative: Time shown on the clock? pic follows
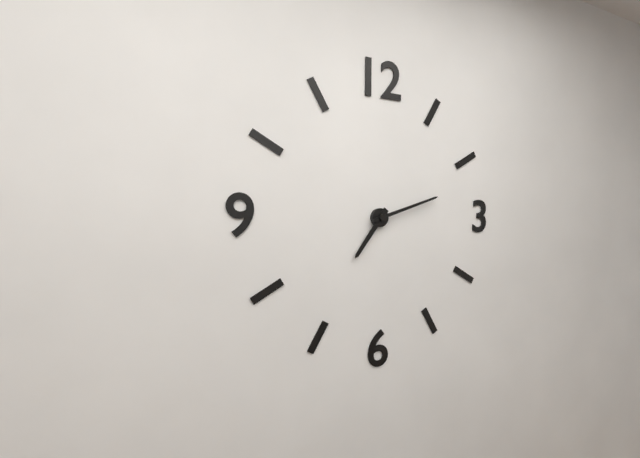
7:12
